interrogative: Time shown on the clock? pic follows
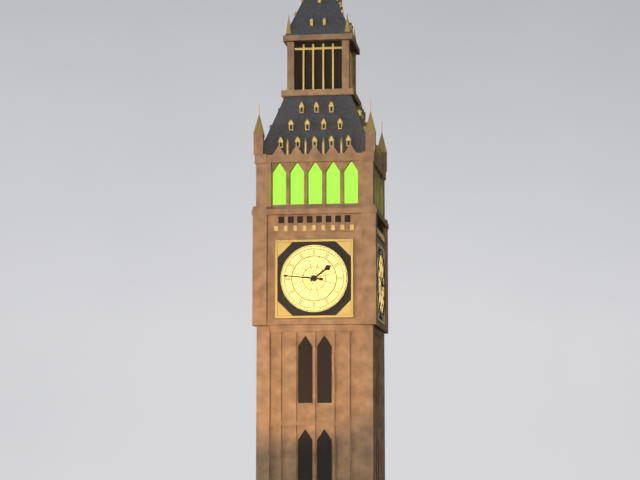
1:46
